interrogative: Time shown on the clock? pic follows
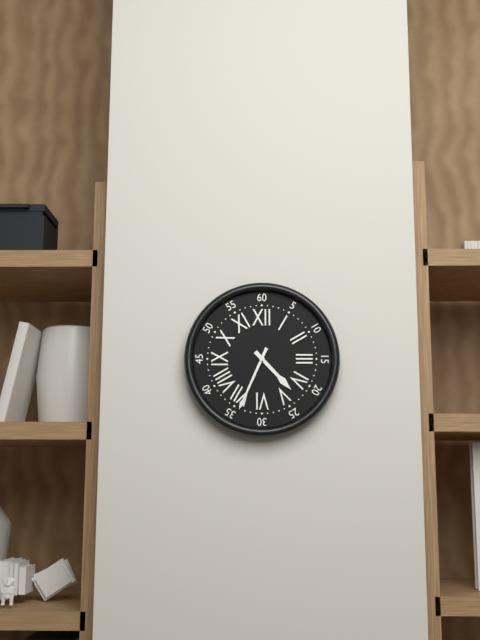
4:34
